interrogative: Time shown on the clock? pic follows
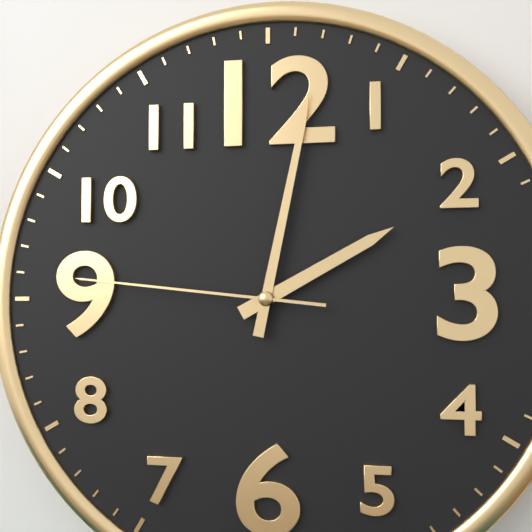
2:02:46
